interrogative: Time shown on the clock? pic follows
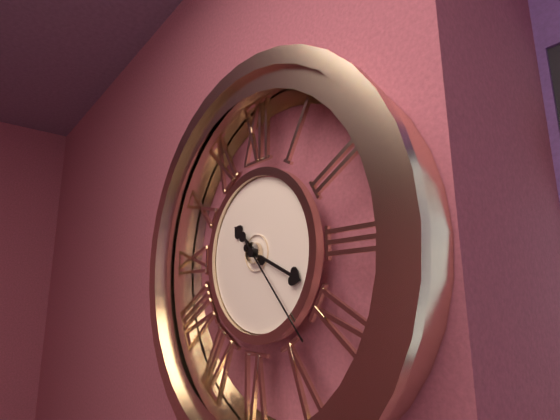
10:19:23
